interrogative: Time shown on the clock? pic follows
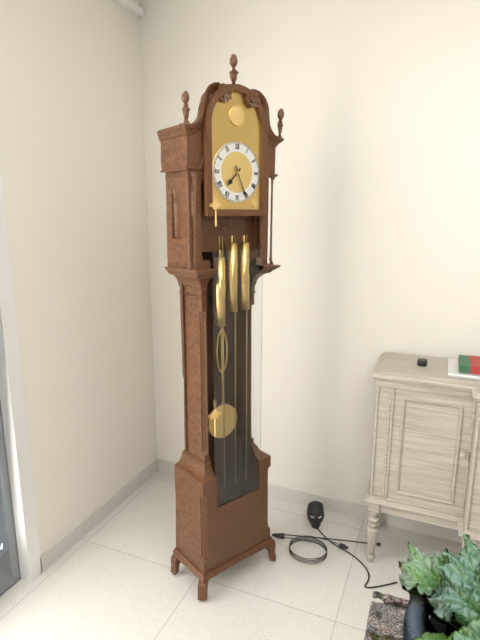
7:26
